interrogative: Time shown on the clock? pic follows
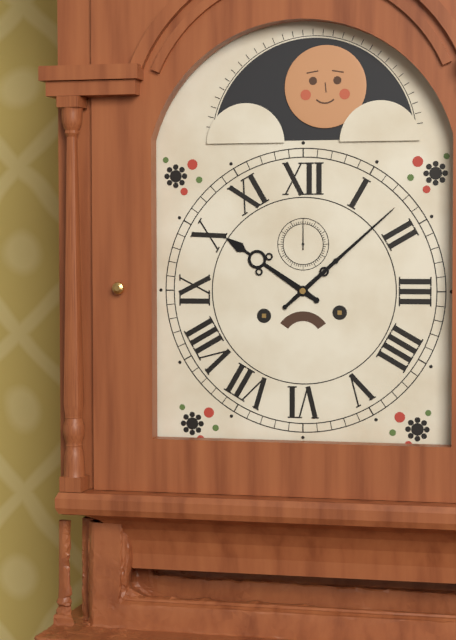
10:08
